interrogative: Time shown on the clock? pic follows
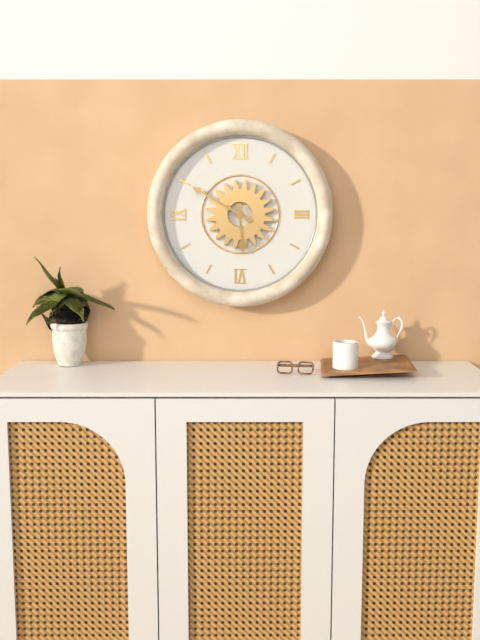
5:50
